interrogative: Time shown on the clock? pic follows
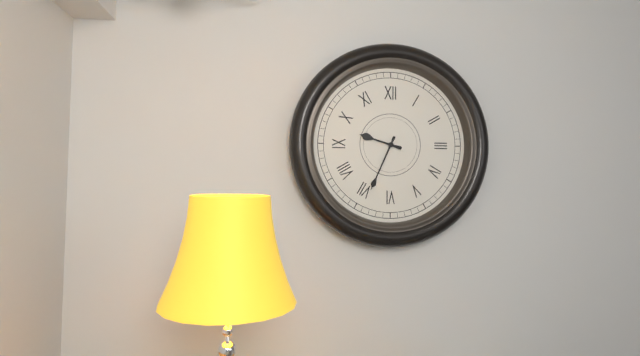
9:34
